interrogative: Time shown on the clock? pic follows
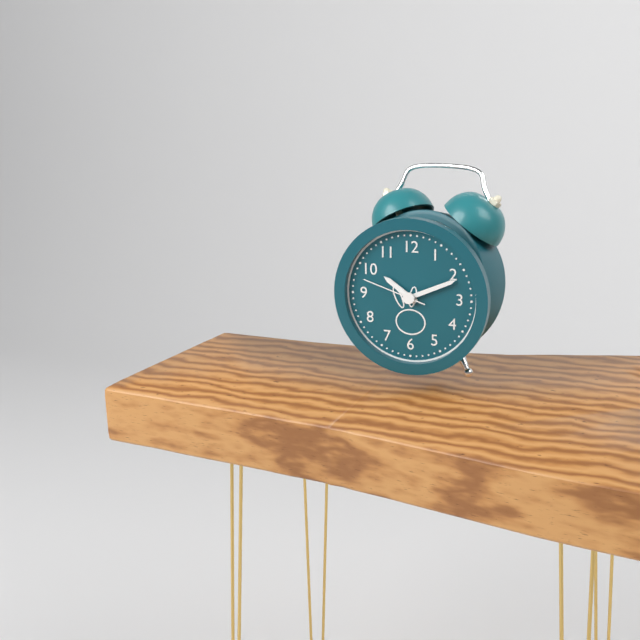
10:11:48
